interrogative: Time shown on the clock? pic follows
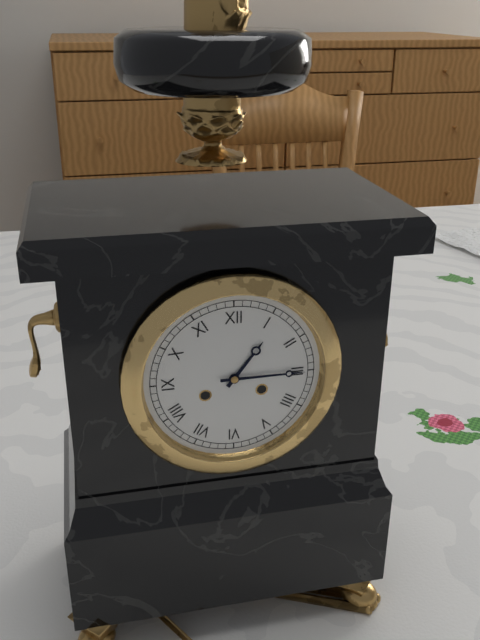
1:15
